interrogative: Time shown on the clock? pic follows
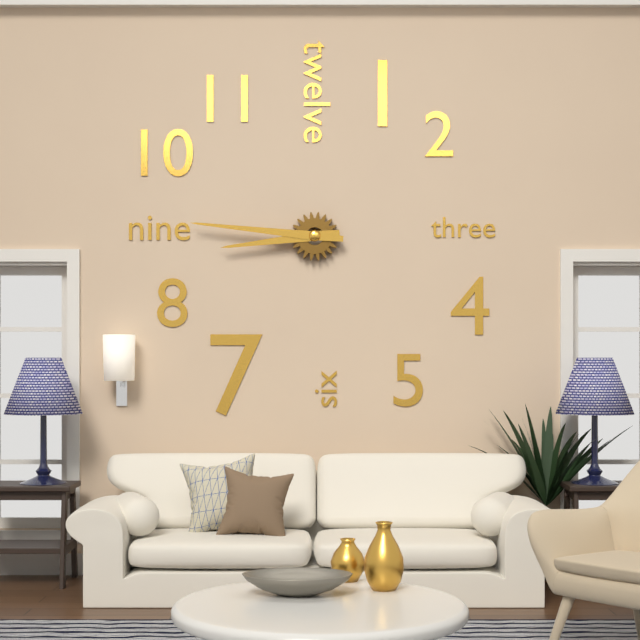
8:46
